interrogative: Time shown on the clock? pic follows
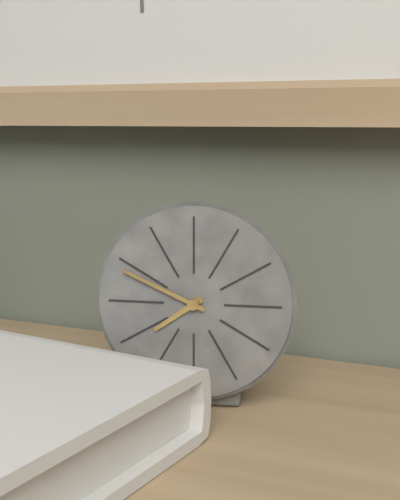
7:49
